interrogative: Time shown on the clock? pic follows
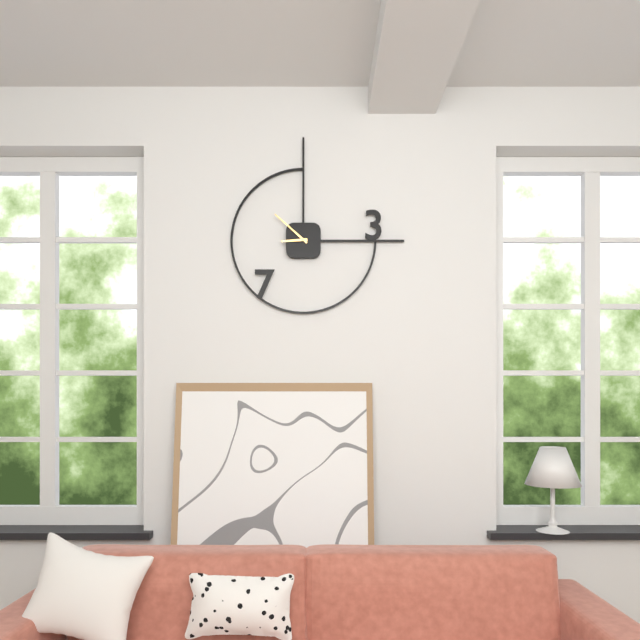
8:52
